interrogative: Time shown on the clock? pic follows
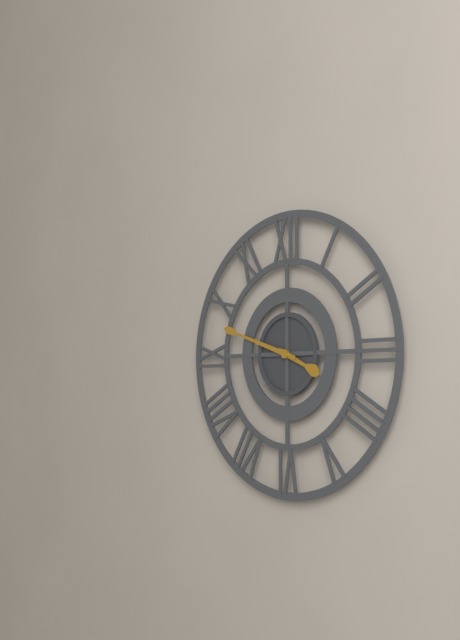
3:48
